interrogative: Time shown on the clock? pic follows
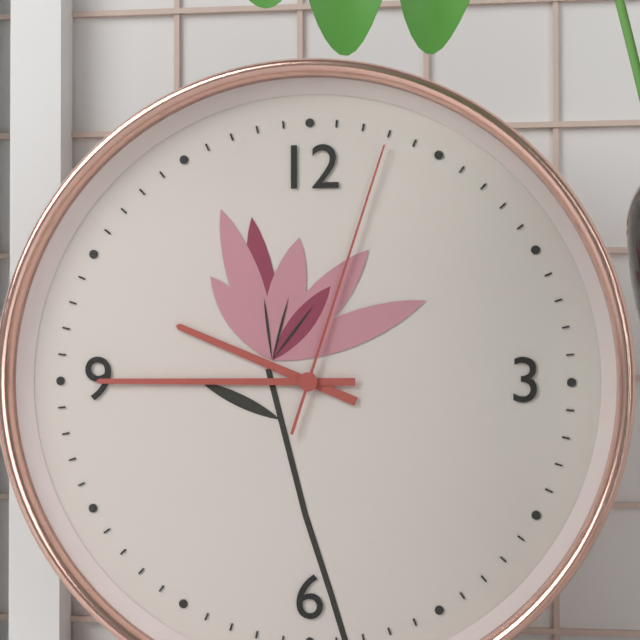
9:45:03
